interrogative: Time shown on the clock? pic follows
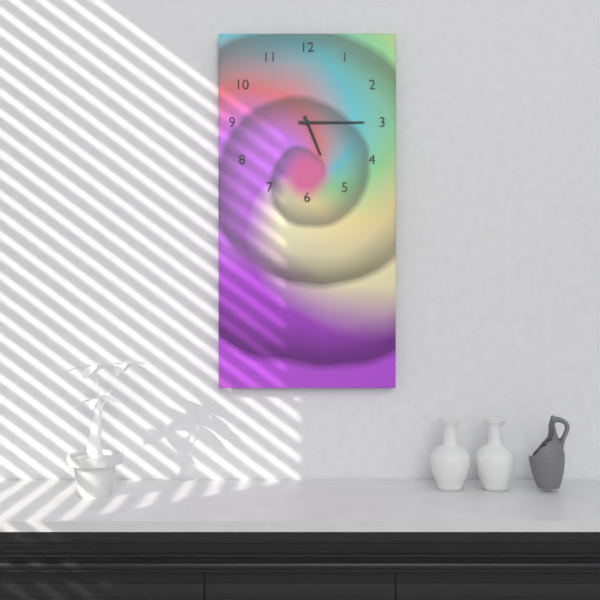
5:15
